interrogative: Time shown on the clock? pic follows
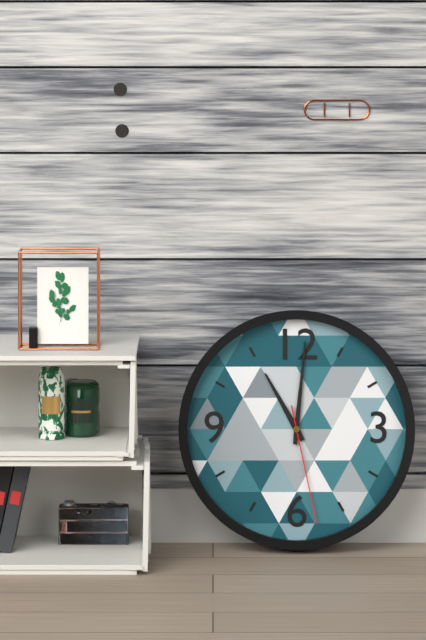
11:01:28
